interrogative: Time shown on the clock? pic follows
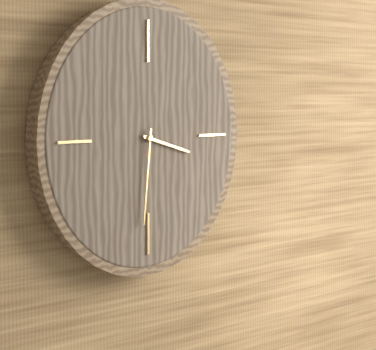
3:31
